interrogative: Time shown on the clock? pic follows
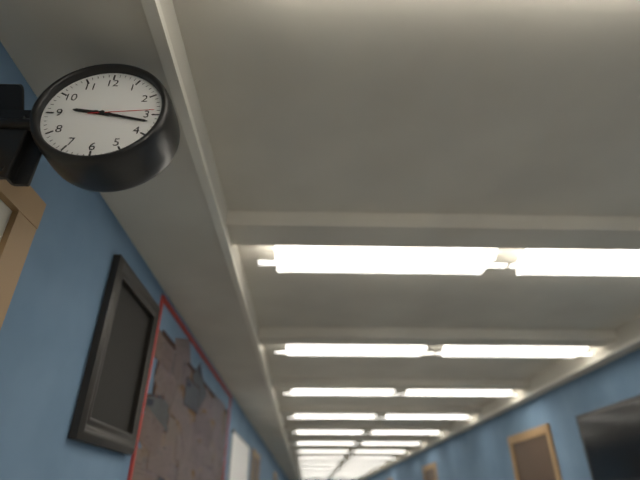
9:17:14
